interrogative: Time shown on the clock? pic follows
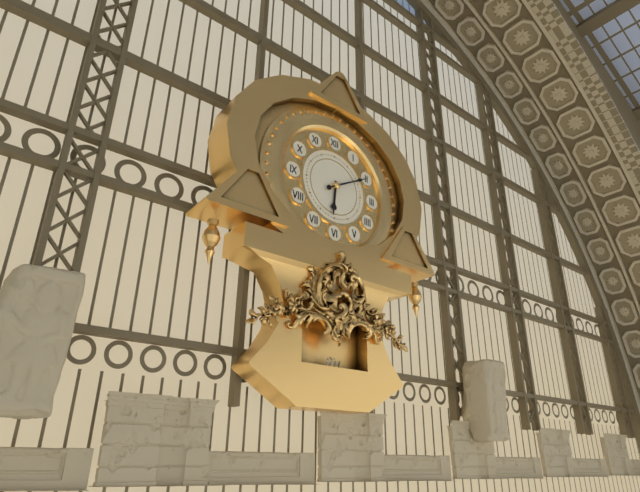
6:10
